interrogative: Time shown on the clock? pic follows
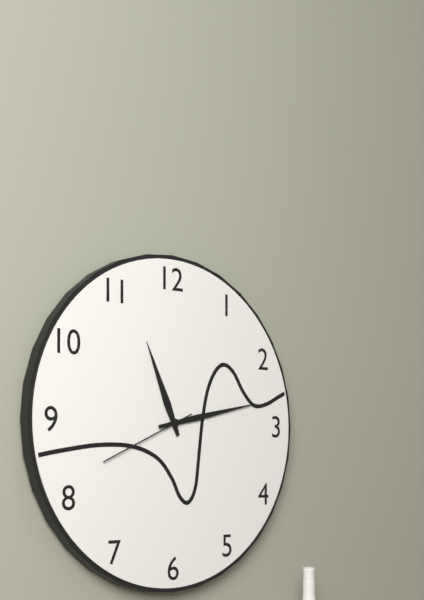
11:13:41
